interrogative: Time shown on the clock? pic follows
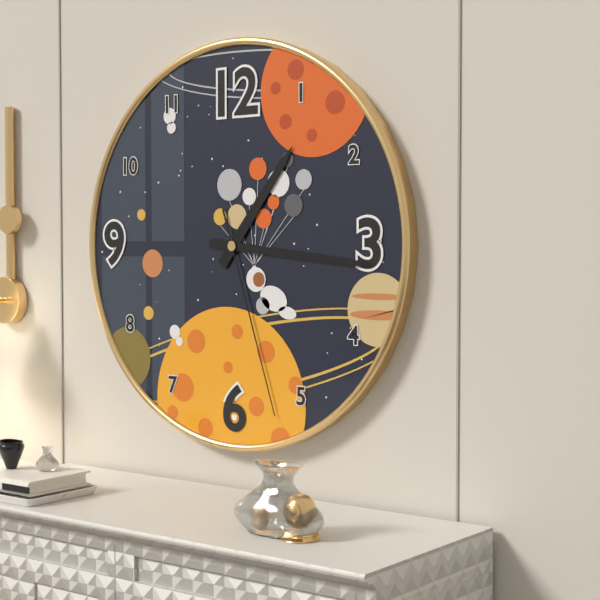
1:16:27
